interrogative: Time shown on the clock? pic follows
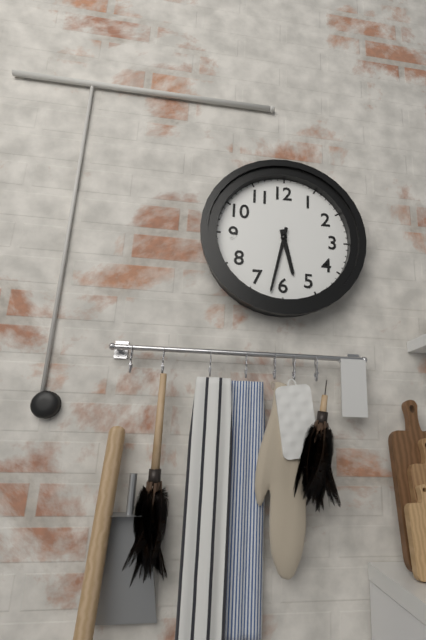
5:32
